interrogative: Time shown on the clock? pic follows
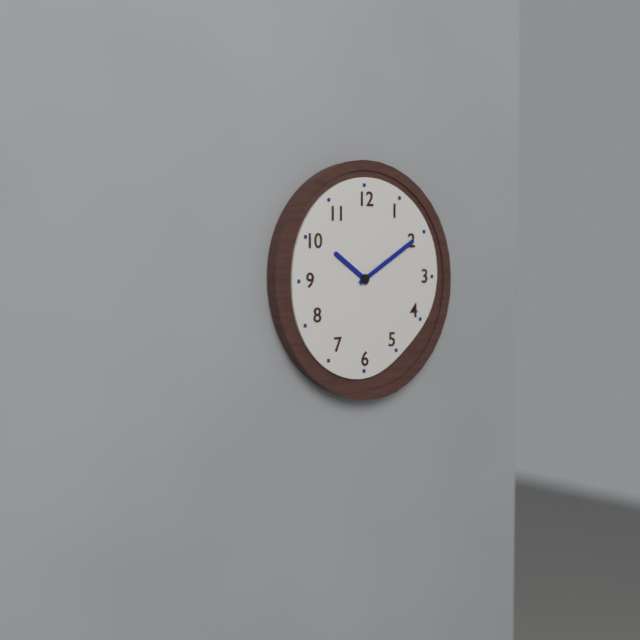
10:10
